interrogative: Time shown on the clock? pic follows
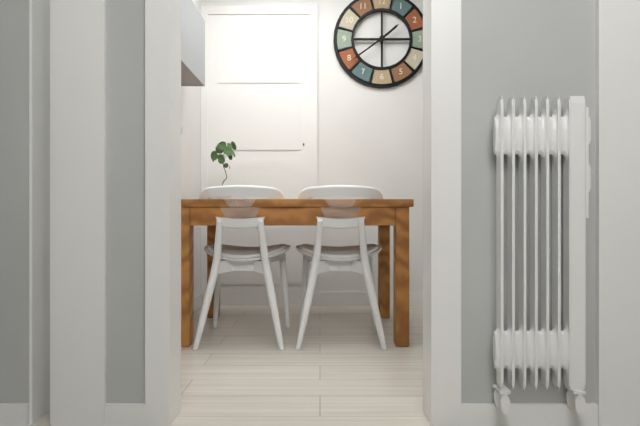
1:39
